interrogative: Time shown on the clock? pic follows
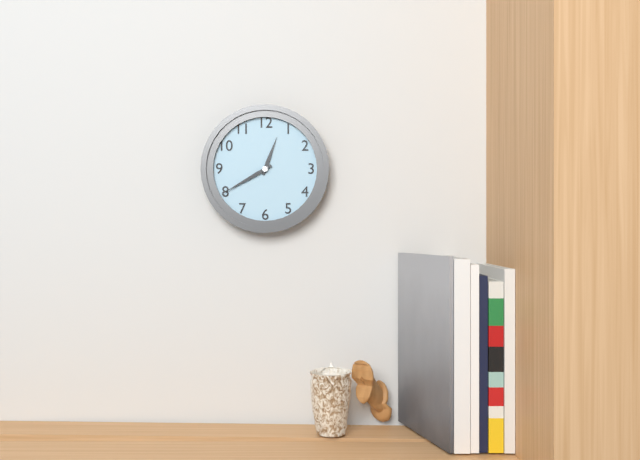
12:40
